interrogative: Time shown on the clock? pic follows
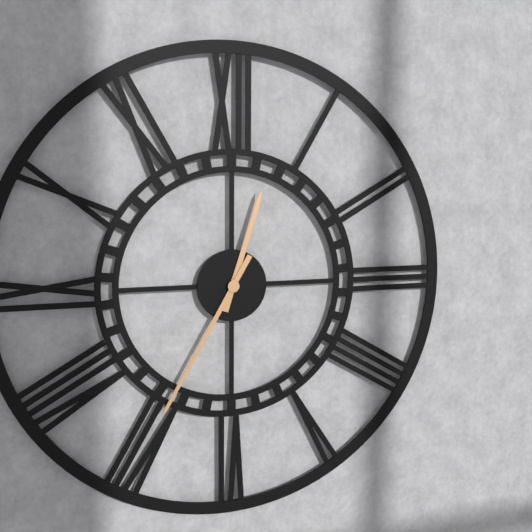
12:35
